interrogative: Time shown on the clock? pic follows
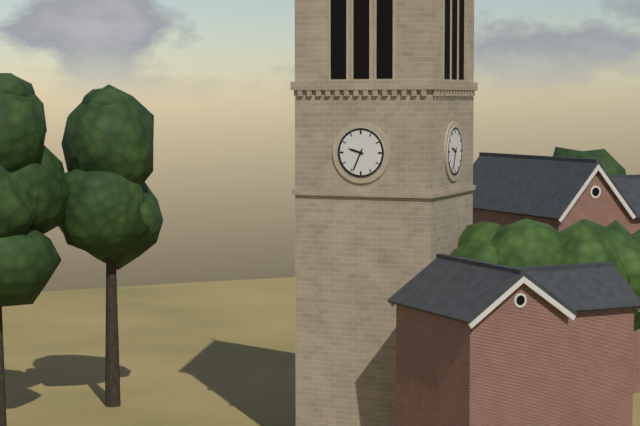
9:34
